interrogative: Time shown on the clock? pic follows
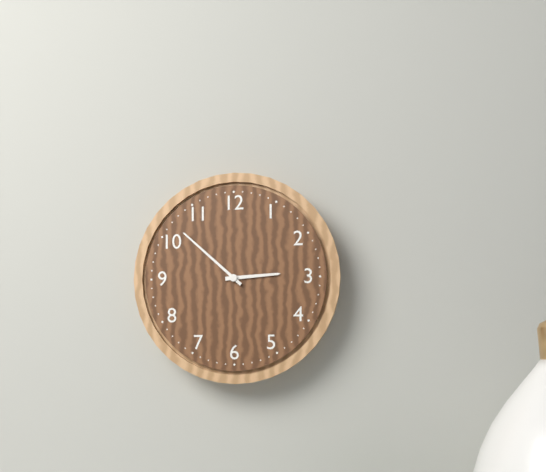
2:52
